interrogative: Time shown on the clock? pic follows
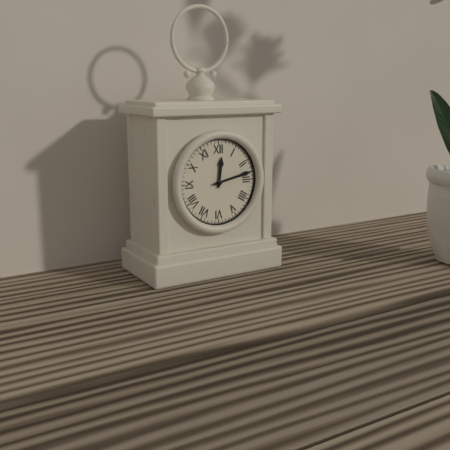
12:13
